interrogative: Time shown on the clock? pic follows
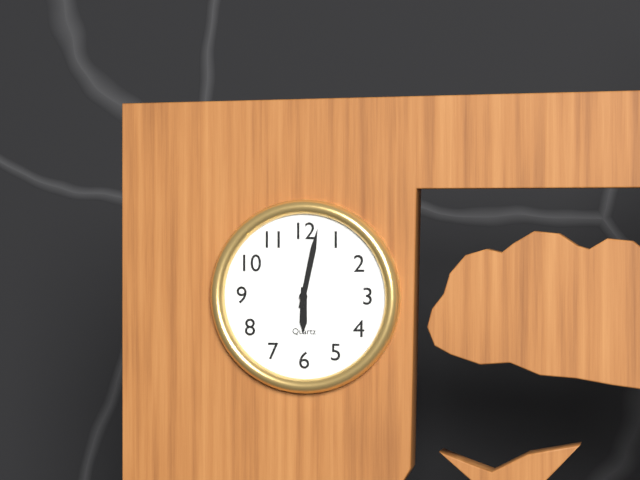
6:02
